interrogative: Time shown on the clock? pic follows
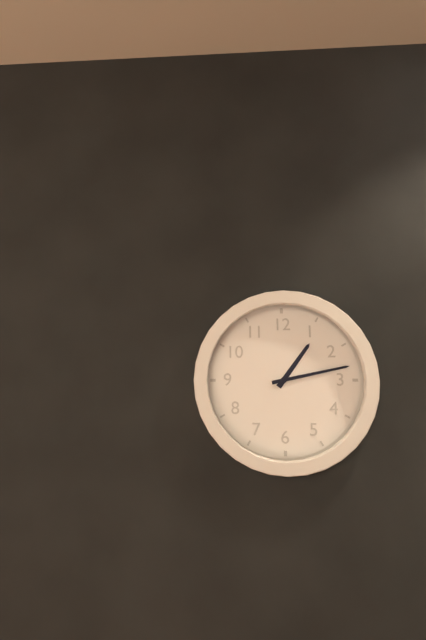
1:13
